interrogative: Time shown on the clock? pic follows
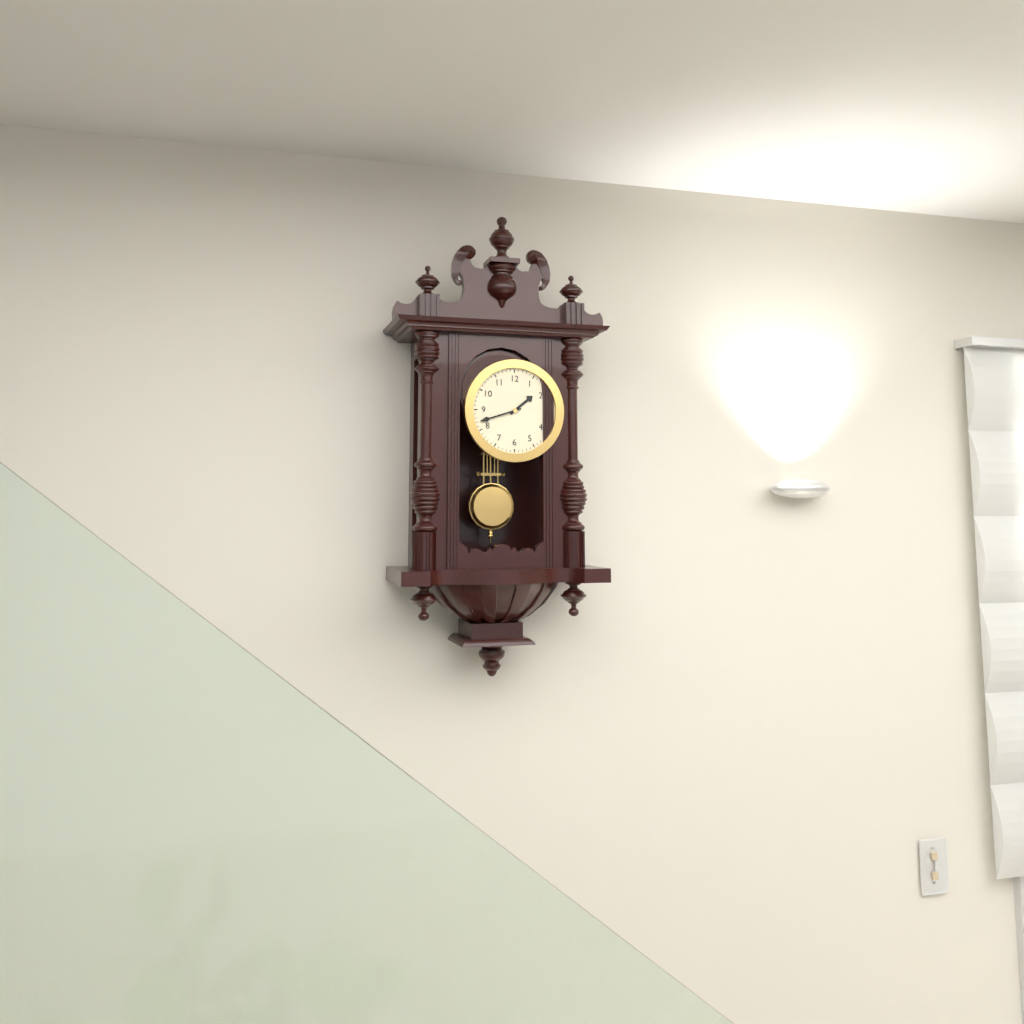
1:42
